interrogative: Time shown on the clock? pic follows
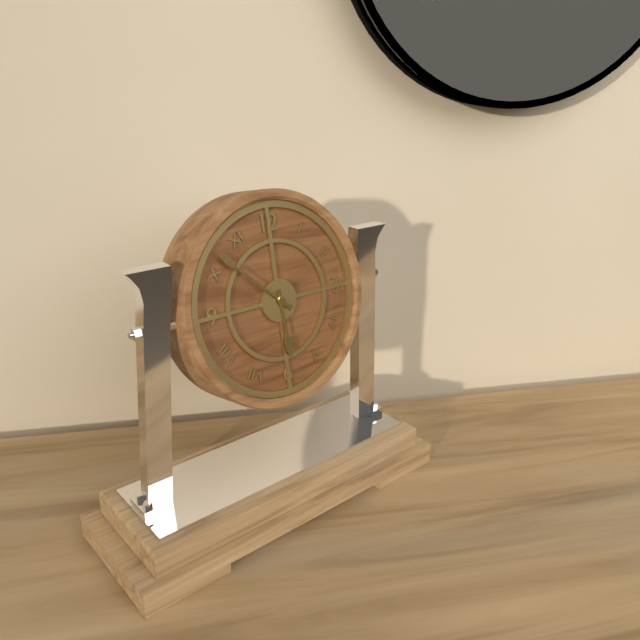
5:52
